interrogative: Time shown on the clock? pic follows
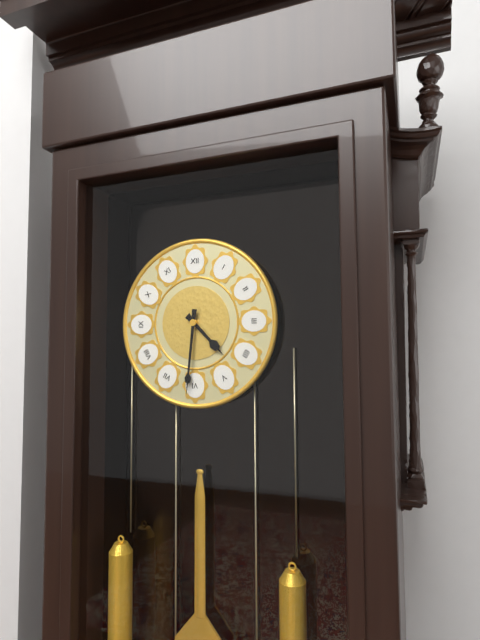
4:31
